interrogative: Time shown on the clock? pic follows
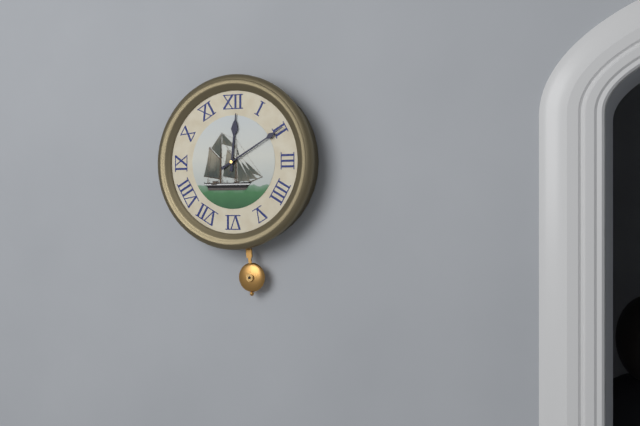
12:10
